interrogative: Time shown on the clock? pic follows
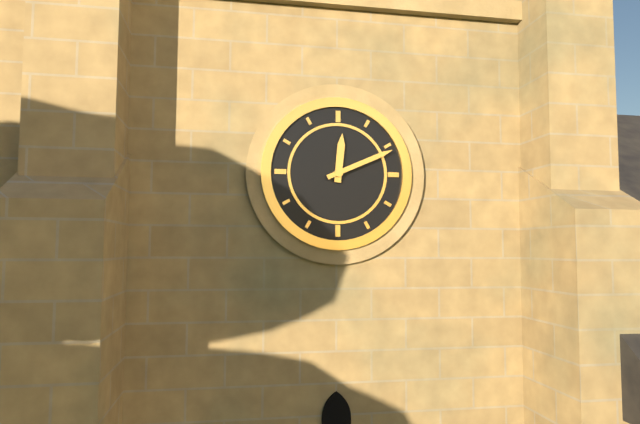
12:11
